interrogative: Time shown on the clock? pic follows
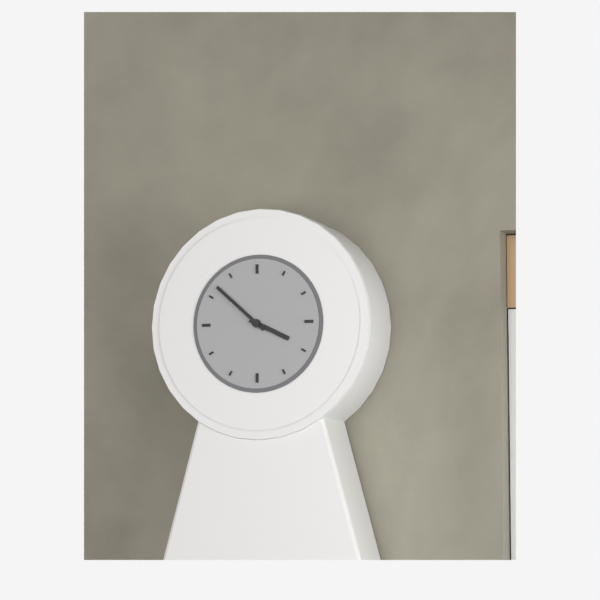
3:52
